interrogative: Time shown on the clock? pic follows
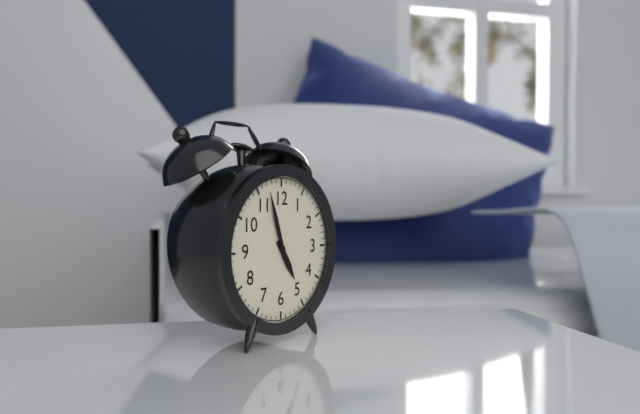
4:57
